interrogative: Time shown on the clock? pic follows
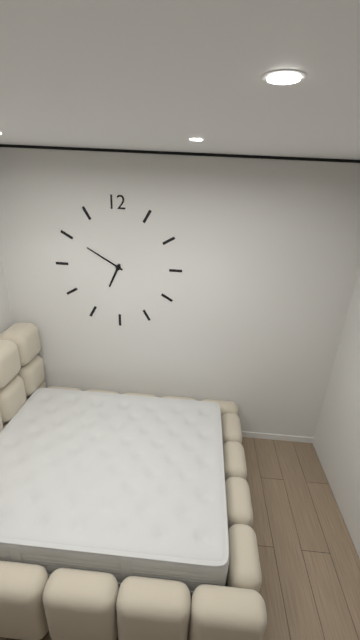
6:50
